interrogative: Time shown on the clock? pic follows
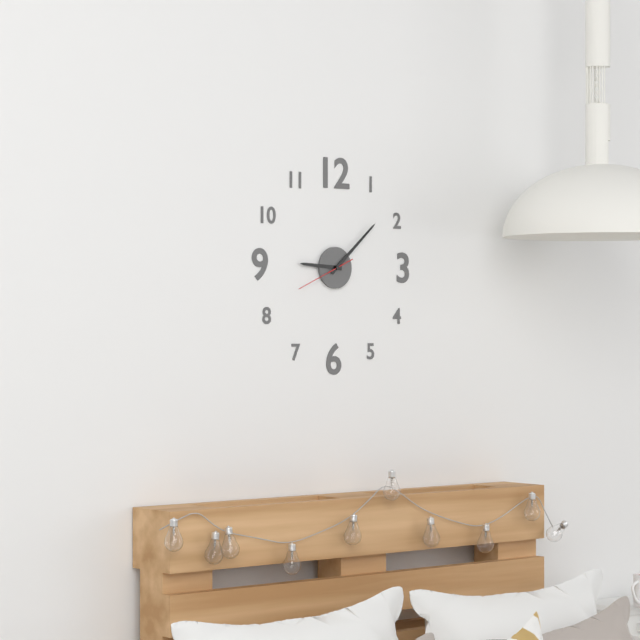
9:08:41
